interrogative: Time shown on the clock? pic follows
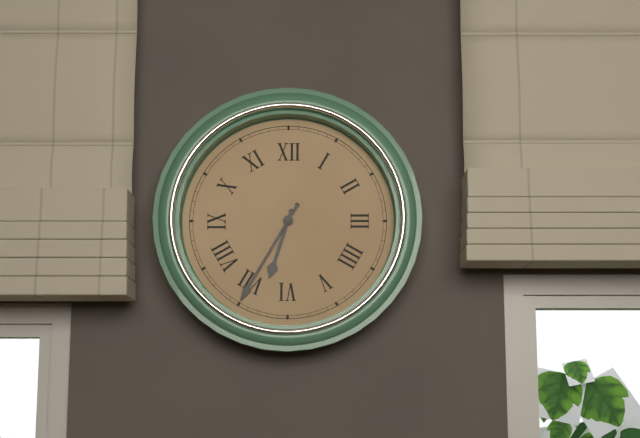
6:35
